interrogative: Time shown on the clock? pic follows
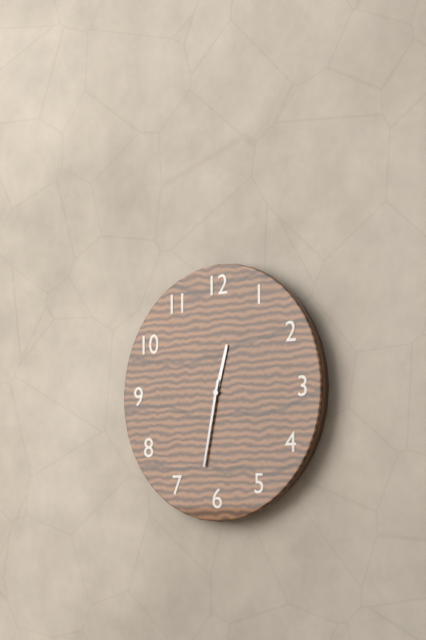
12:32
